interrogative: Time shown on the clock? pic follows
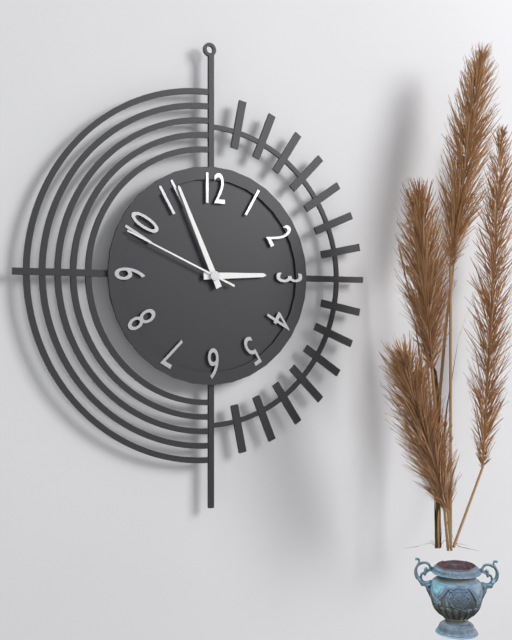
2:56:49
